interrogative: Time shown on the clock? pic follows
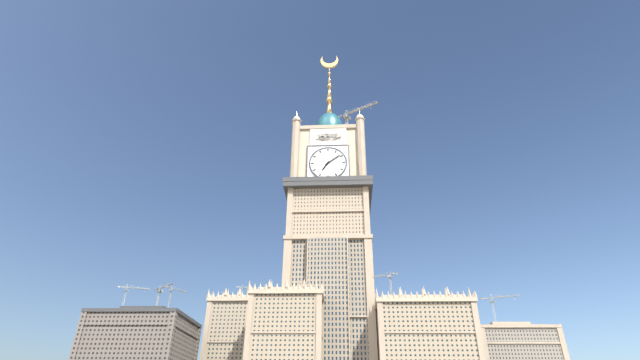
7:09
